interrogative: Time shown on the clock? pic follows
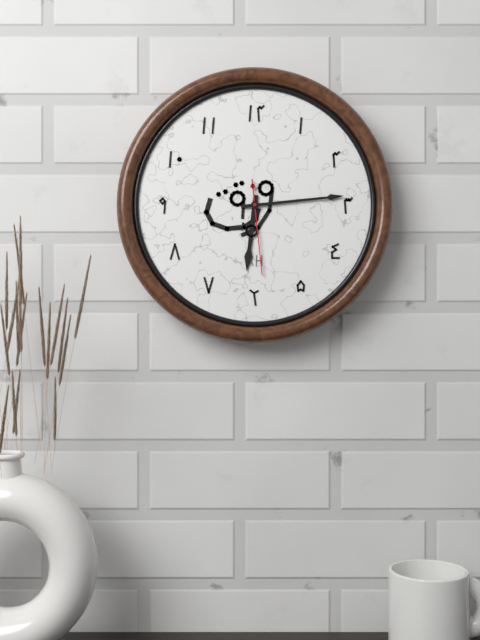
6:14:29
